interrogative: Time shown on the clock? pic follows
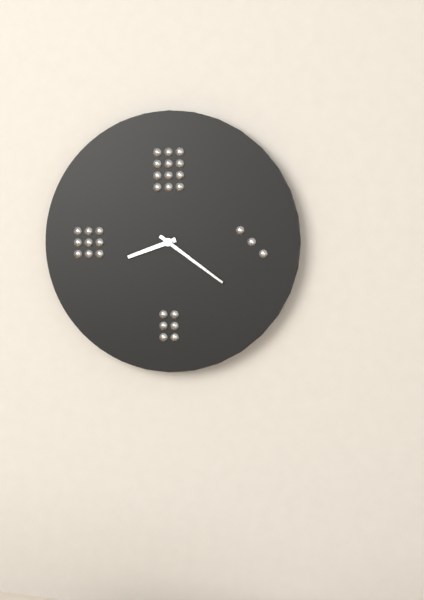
8:21
